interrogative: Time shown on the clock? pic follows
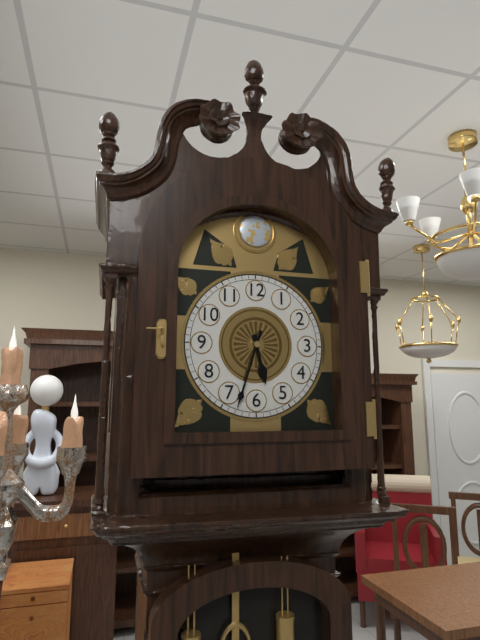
5:33
